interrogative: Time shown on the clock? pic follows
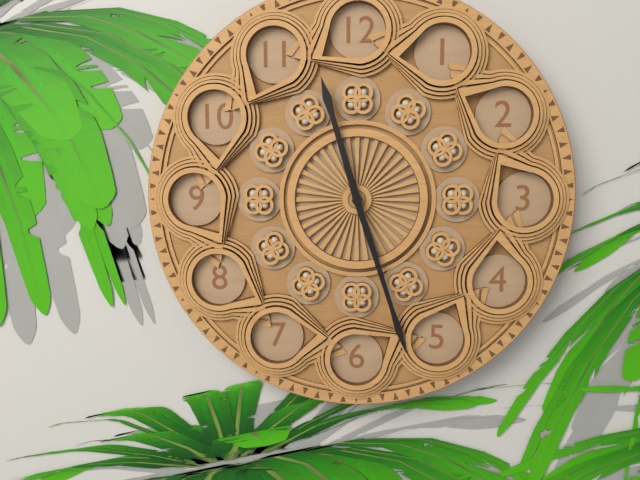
11:27
